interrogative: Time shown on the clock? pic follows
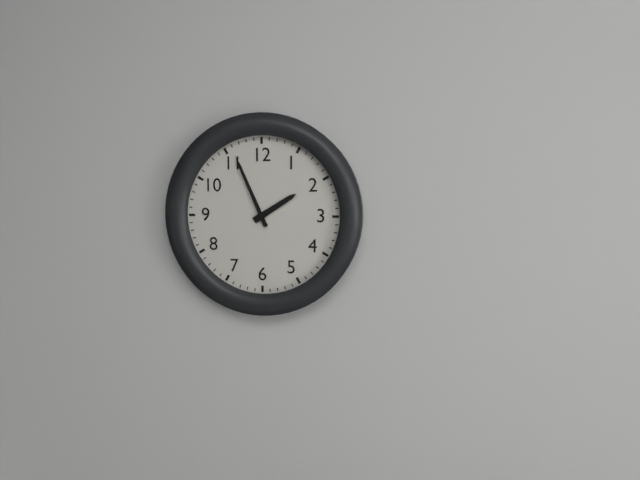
1:56
